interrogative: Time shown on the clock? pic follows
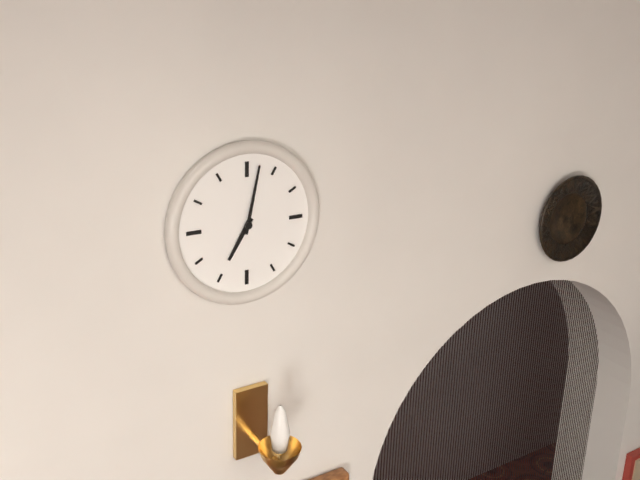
7:02
